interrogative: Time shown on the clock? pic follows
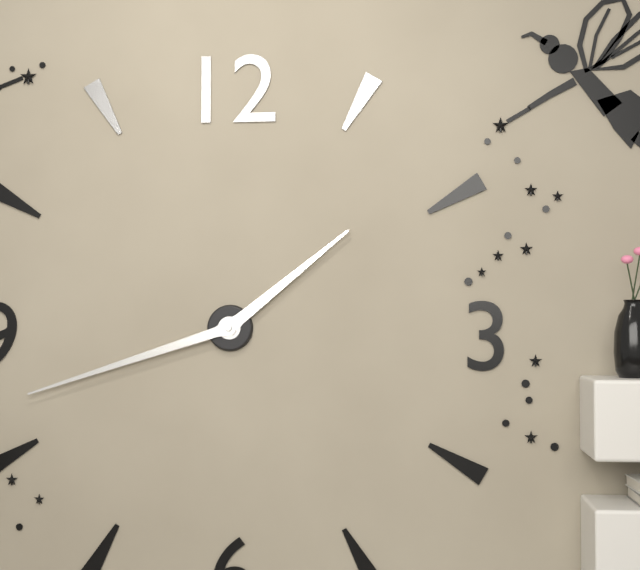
1:42
